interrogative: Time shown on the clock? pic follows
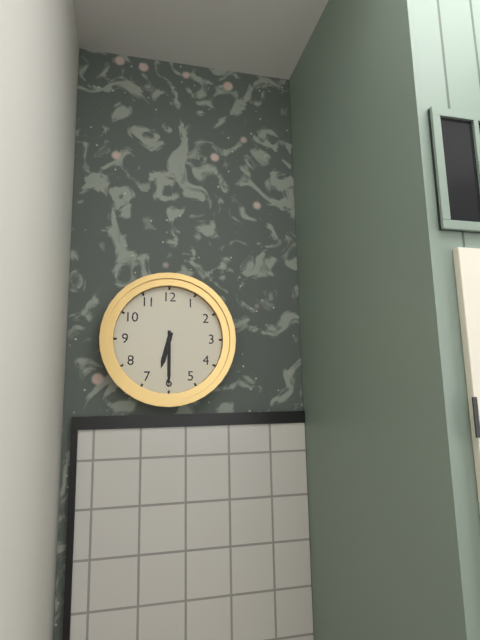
6:30
